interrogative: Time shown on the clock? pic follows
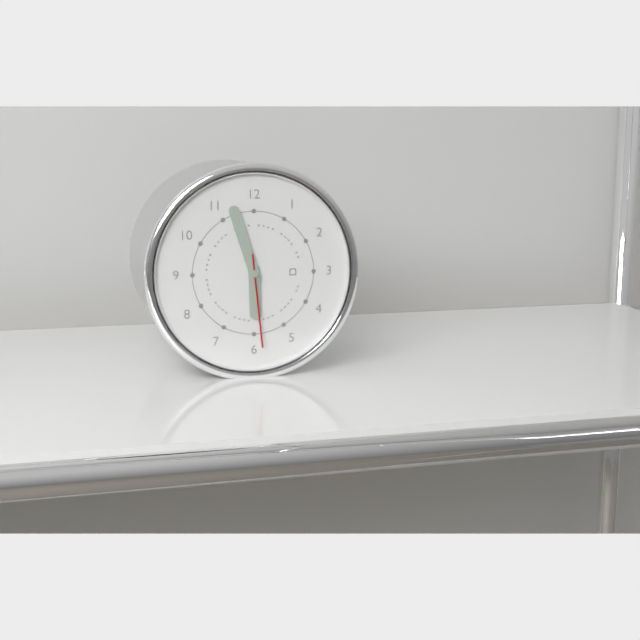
5:57:29
